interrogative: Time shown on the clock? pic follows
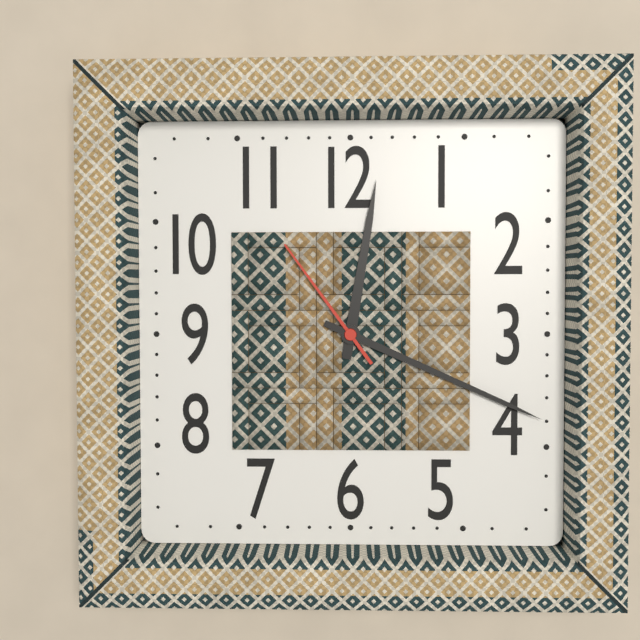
12:19:54
